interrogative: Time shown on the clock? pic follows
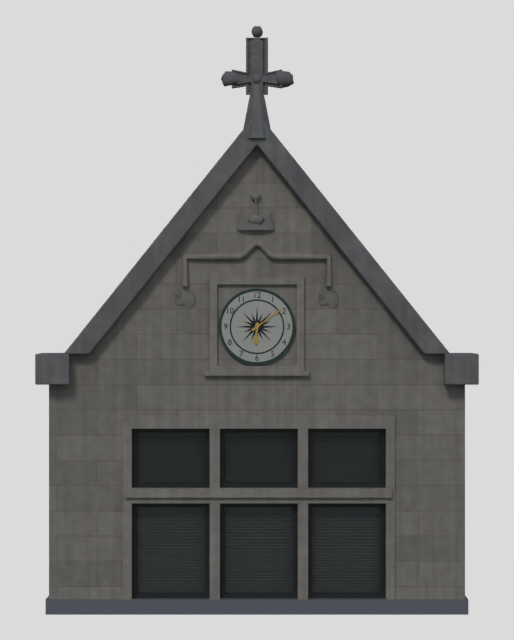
6:09
